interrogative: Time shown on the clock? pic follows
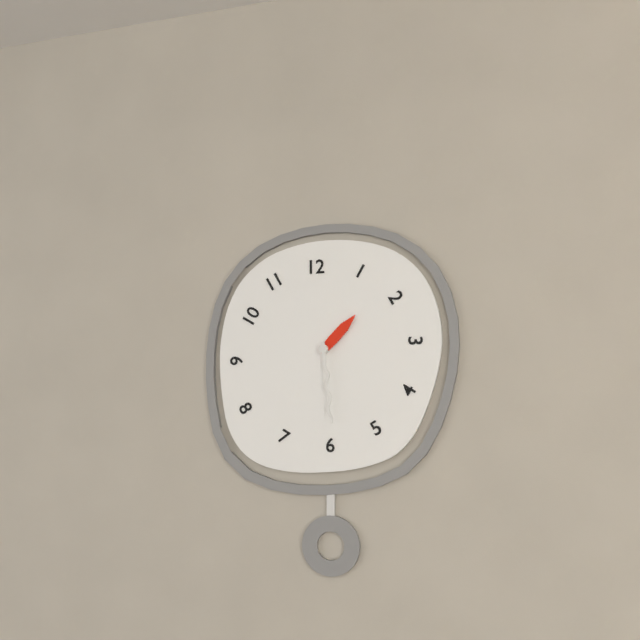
1:29
